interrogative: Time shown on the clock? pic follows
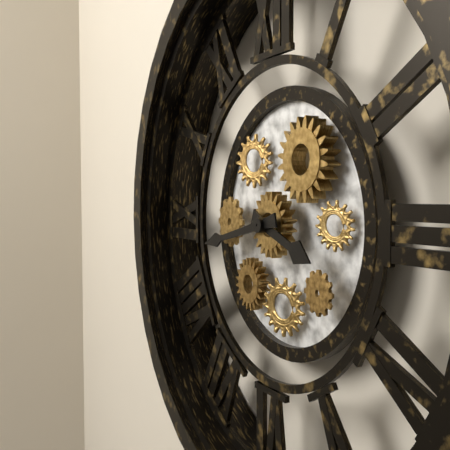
3:43
